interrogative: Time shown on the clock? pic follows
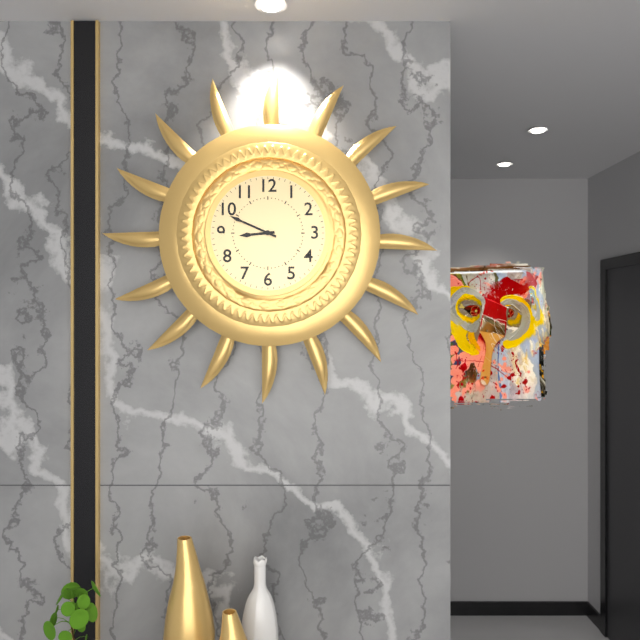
8:49
